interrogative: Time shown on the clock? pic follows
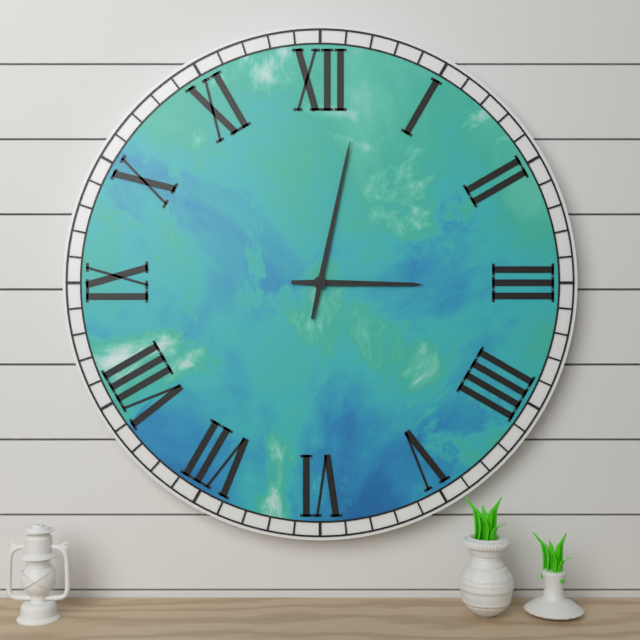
3:02
